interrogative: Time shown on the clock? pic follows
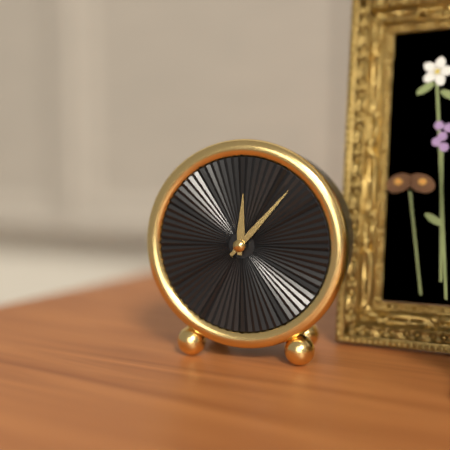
12:07
